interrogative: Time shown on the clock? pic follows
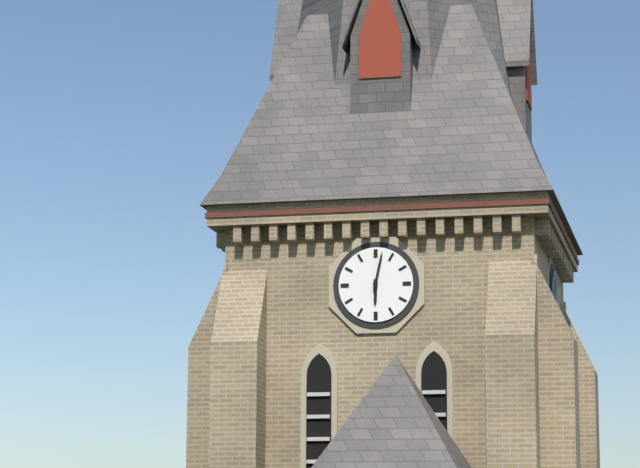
6:02
